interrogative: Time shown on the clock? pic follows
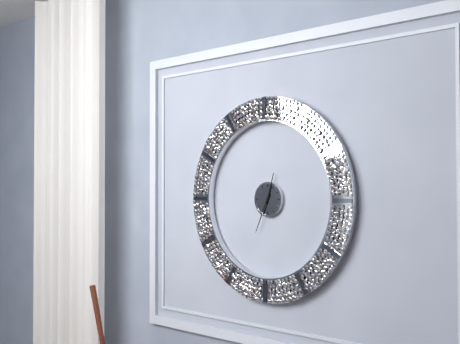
12:34
